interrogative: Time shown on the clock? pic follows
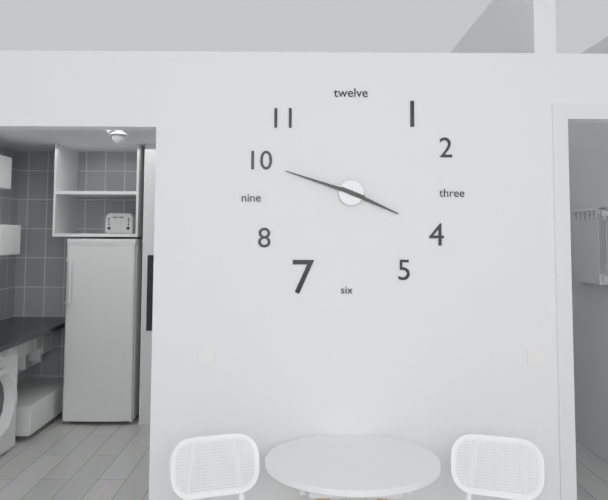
3:48
